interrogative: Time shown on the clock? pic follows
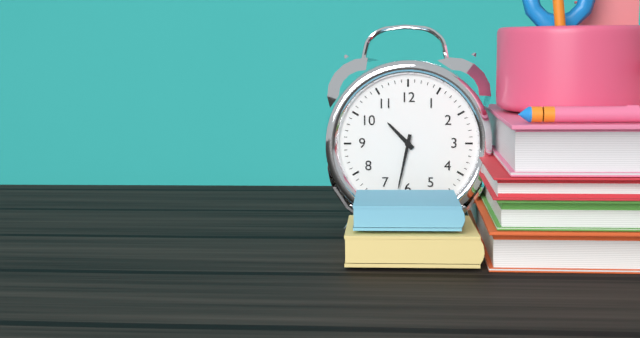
10:32
